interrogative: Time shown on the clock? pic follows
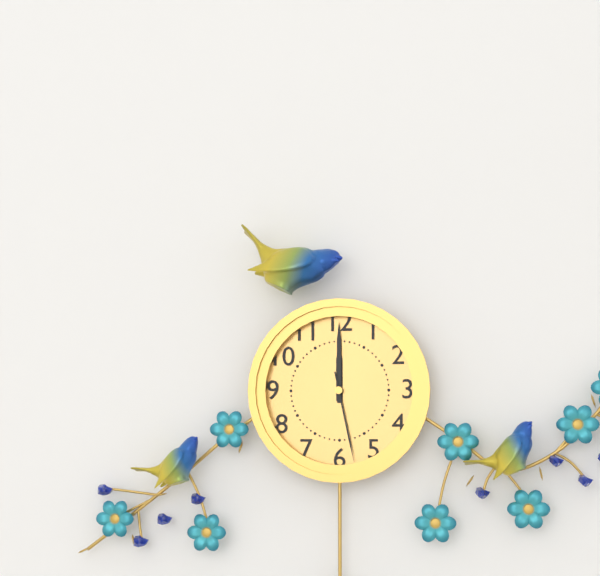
12:00:28
